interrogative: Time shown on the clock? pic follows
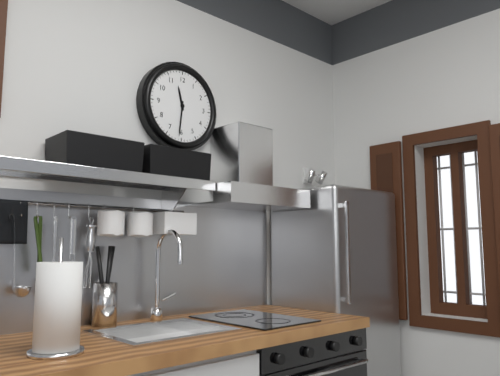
11:31
